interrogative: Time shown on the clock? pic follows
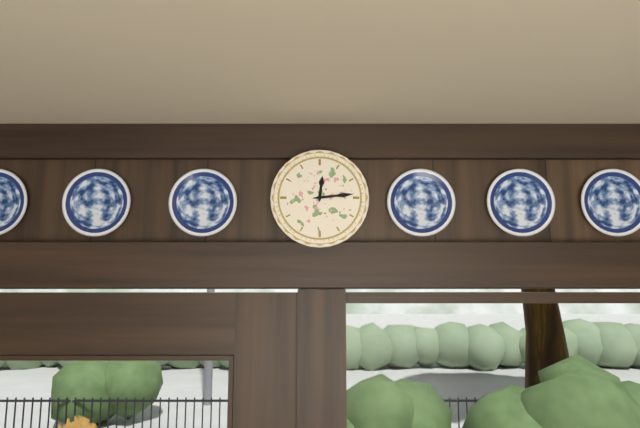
12:14
